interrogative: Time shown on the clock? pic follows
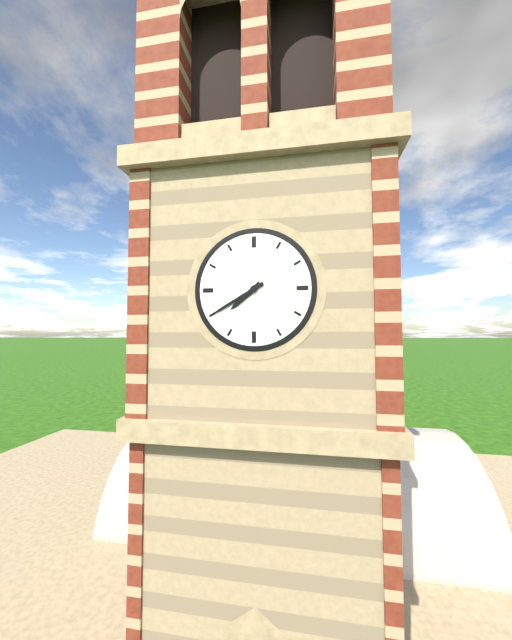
7:40
